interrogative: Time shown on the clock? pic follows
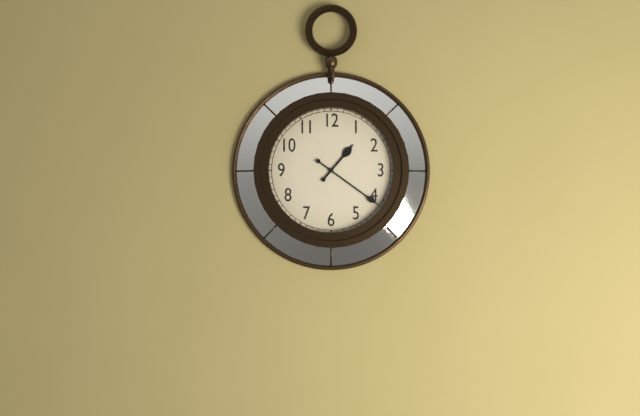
1:21
